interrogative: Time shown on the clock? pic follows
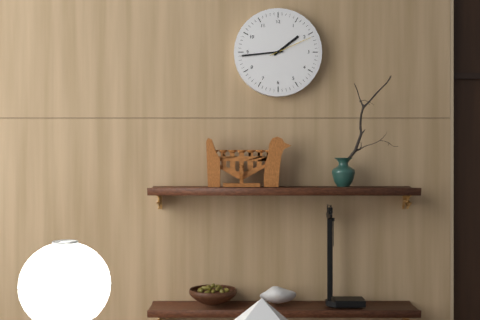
1:44
